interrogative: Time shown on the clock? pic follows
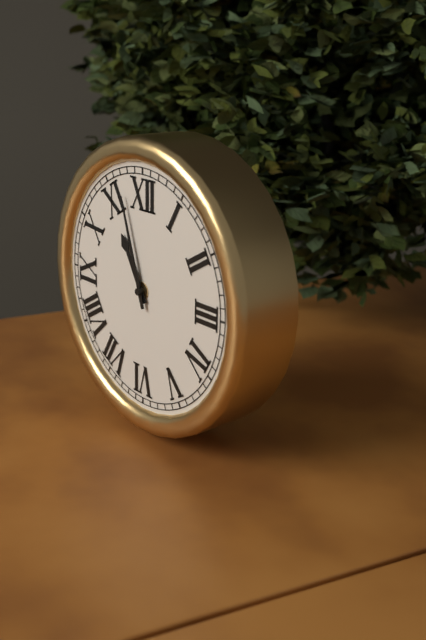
10:57
